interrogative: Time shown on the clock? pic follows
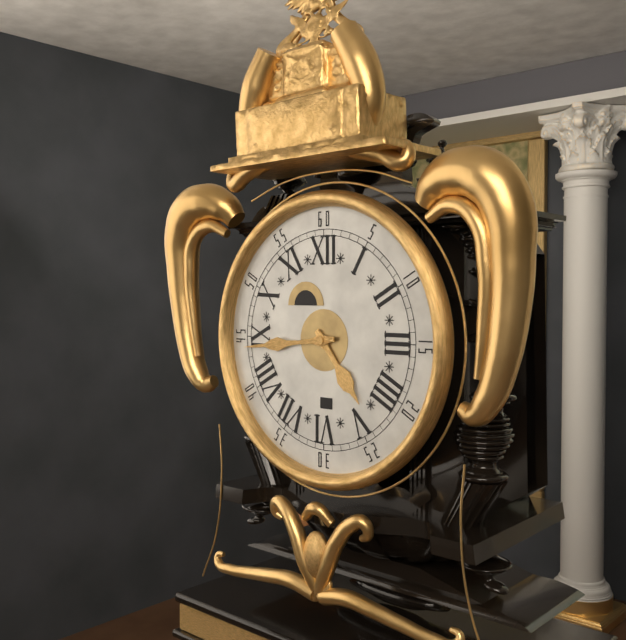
4:44
